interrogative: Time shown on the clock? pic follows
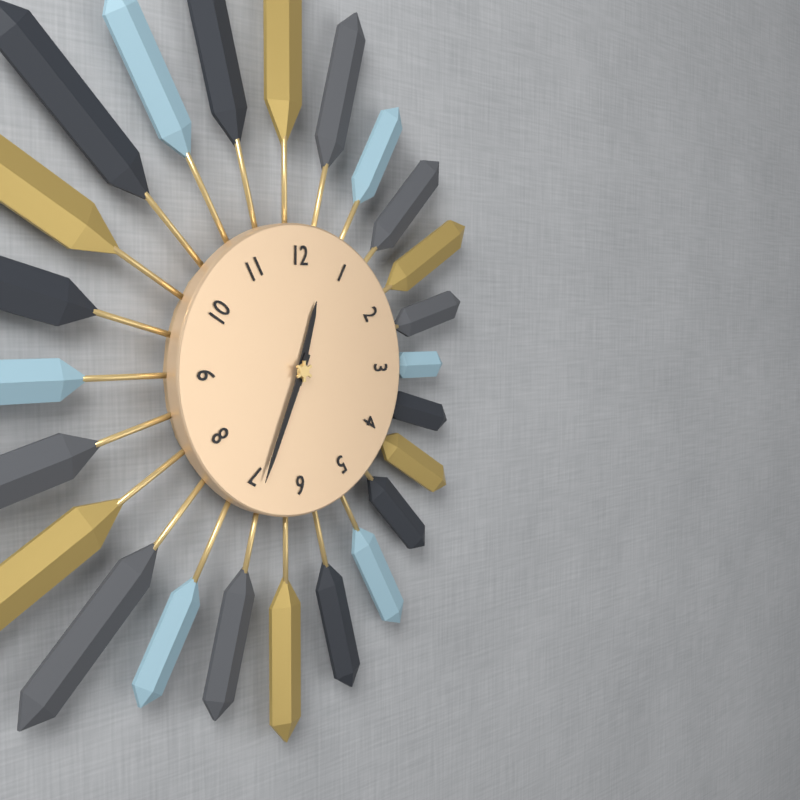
12:34
